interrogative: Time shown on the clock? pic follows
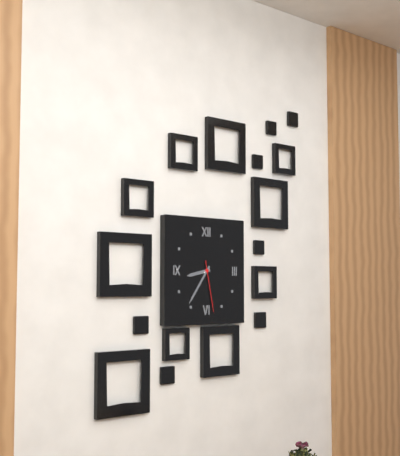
8:36:28
